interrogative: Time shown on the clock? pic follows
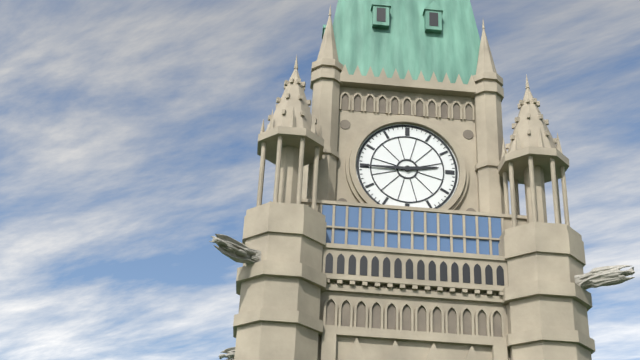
2:45
